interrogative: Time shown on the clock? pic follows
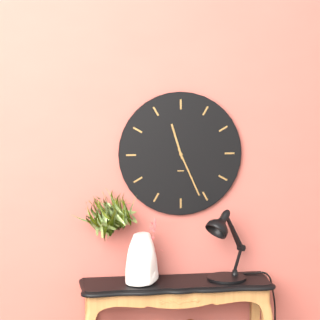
11:26
